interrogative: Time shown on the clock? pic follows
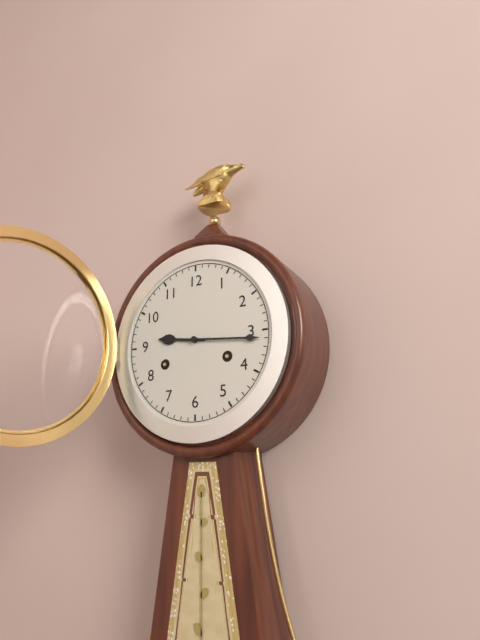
9:16
